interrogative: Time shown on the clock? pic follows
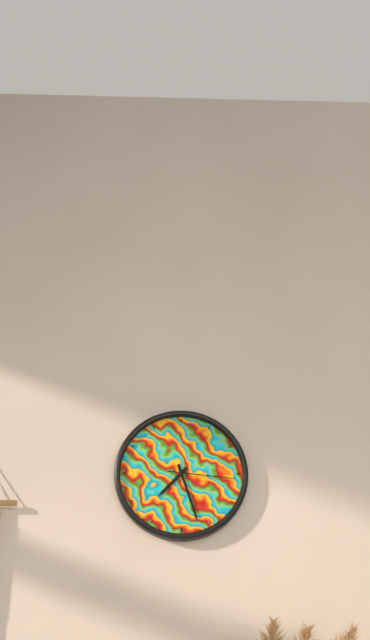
7:27:16
